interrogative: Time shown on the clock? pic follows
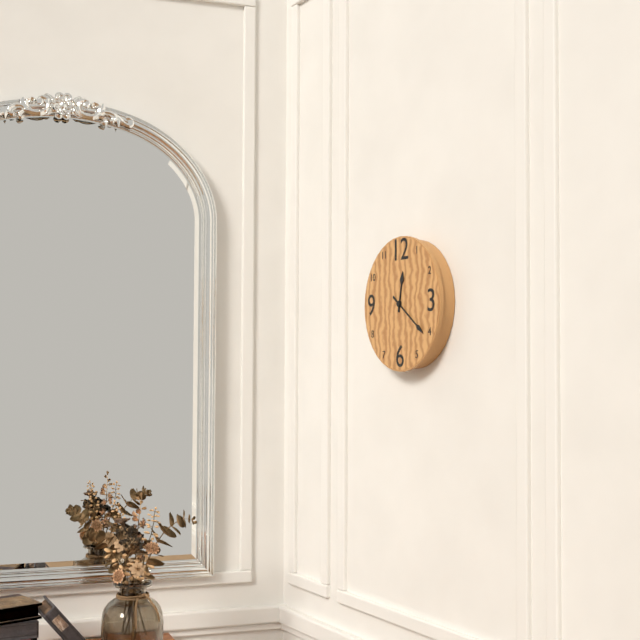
12:21
